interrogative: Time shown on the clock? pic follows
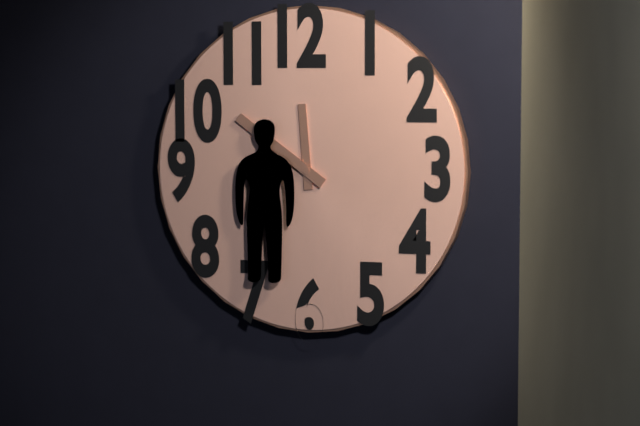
11:51
